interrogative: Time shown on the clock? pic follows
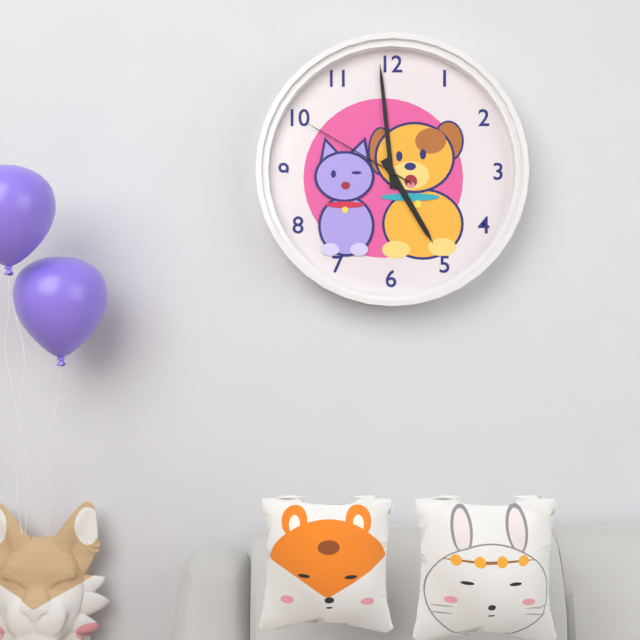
4:59:50
